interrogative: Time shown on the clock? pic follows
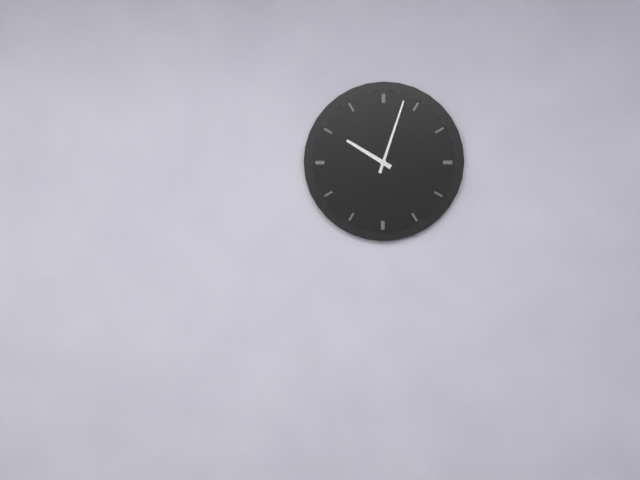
10:03
